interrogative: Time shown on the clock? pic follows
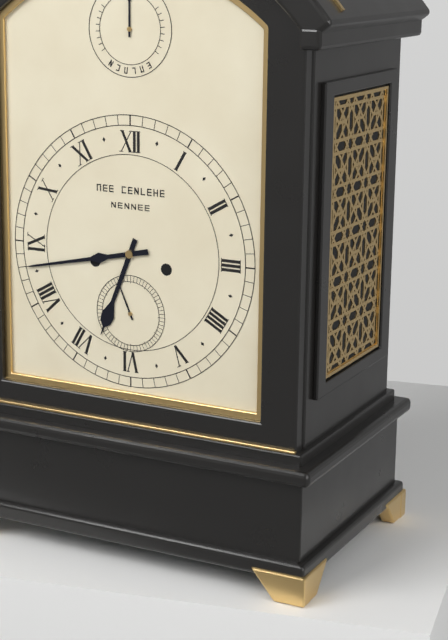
6:43
